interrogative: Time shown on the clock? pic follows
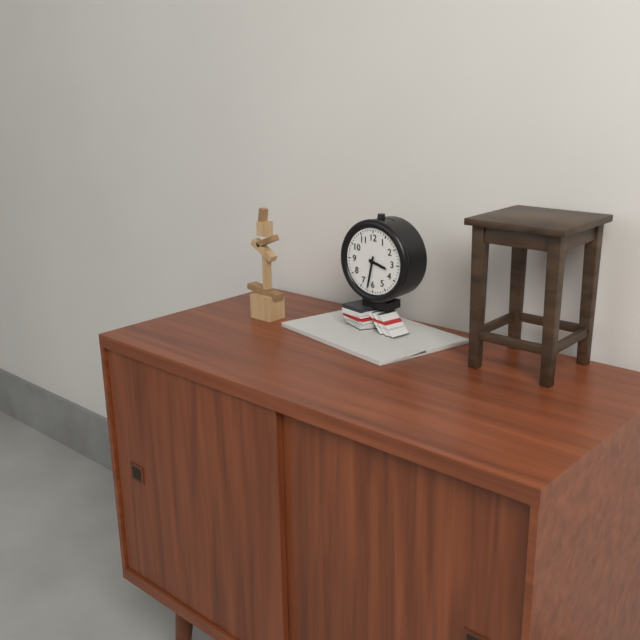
3:32
